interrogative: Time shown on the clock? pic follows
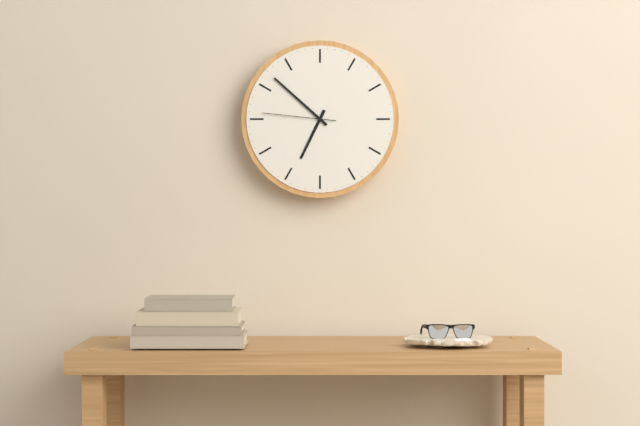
6:52:46
